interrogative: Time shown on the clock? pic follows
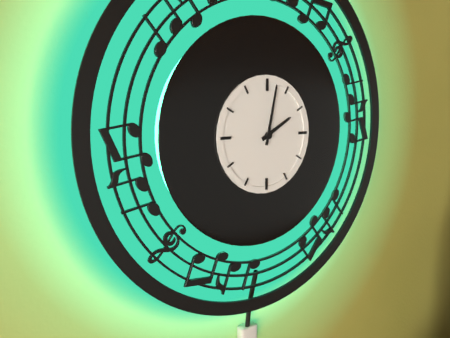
2:02
